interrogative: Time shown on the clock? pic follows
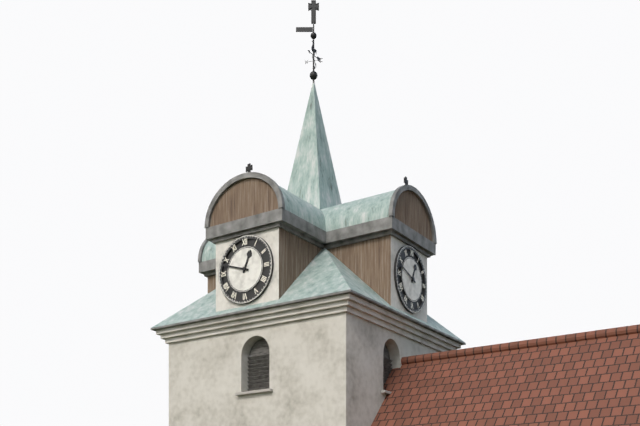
12:48
